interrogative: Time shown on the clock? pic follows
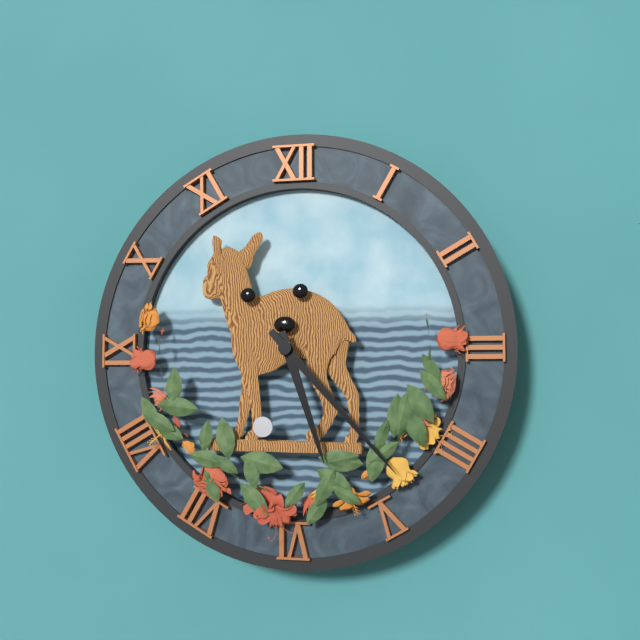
5:23
